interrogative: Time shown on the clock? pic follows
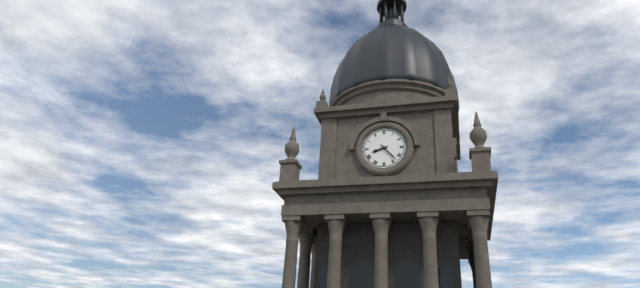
8:23
